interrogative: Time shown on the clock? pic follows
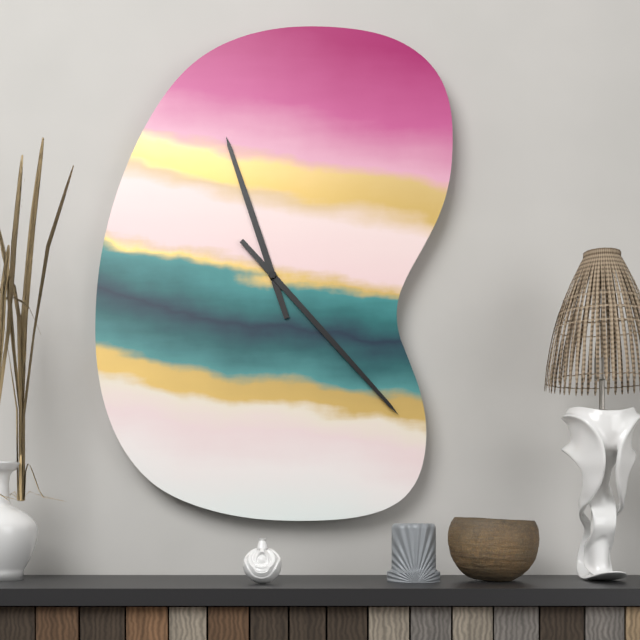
11:23
